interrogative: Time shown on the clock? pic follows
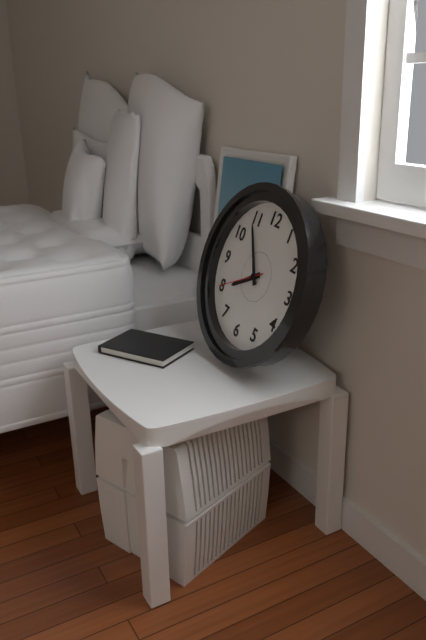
7:54
